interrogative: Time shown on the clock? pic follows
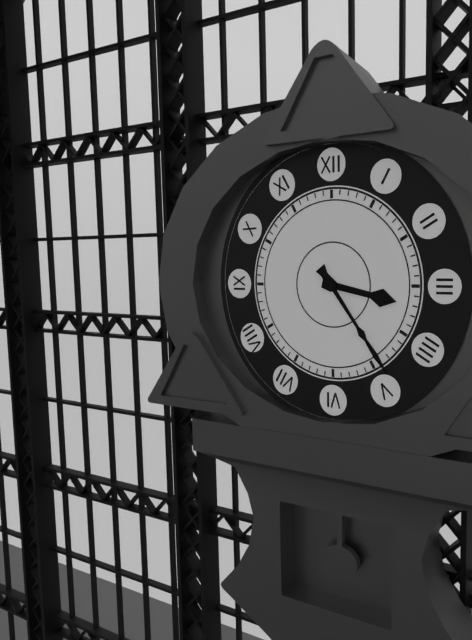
3:24
